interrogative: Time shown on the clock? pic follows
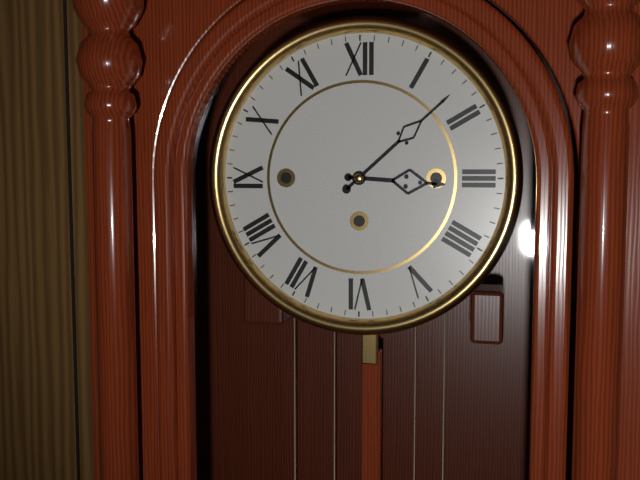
3:08
